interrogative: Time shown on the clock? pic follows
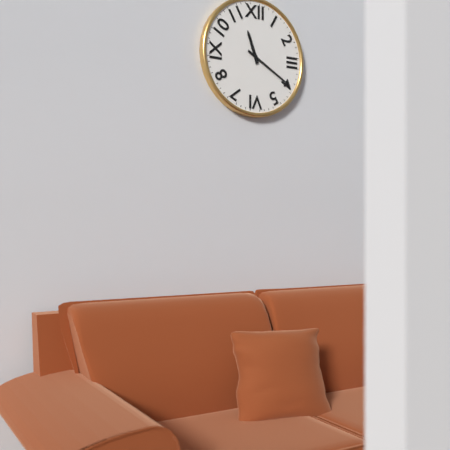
11:20
